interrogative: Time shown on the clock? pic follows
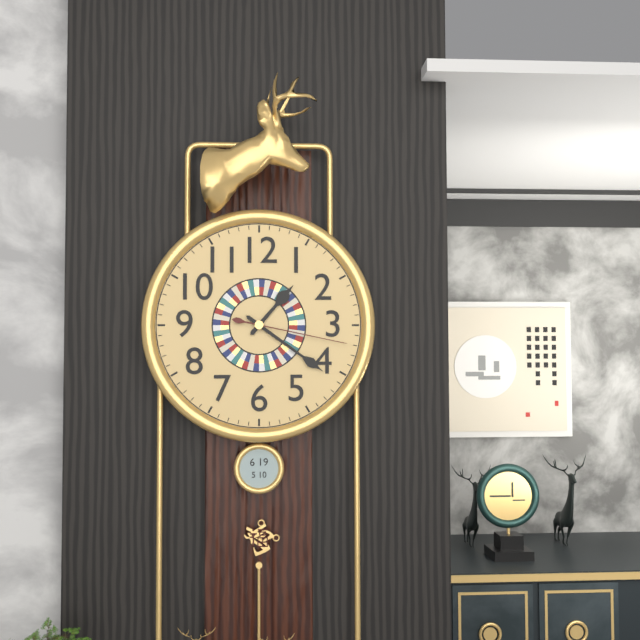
1:21:17
